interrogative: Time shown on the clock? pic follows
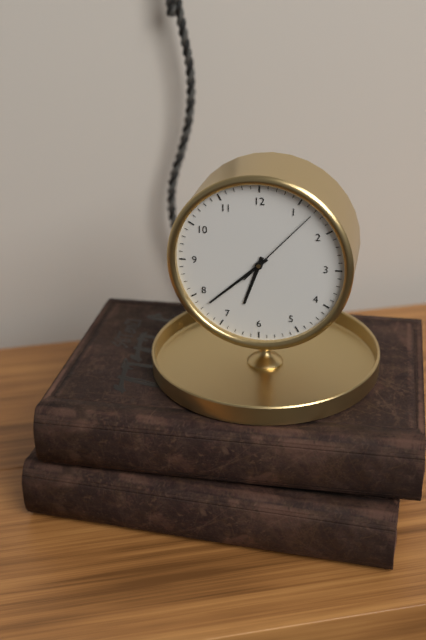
6:38:07
